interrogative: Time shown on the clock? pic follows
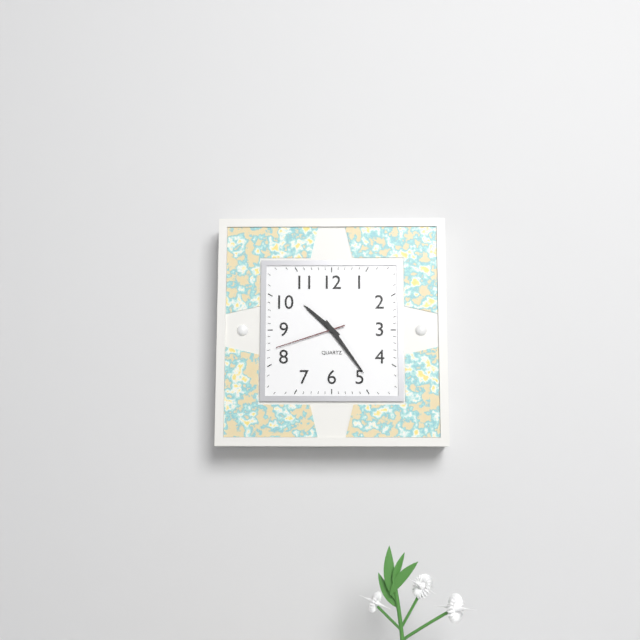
10:24:42
